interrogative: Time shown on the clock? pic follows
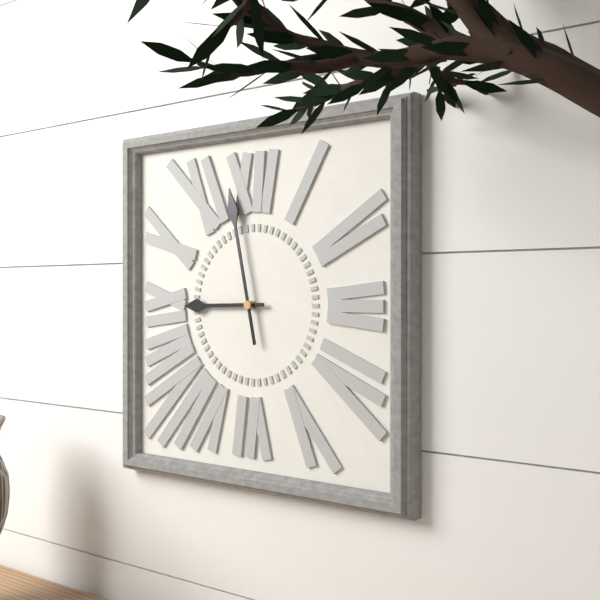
8:58
